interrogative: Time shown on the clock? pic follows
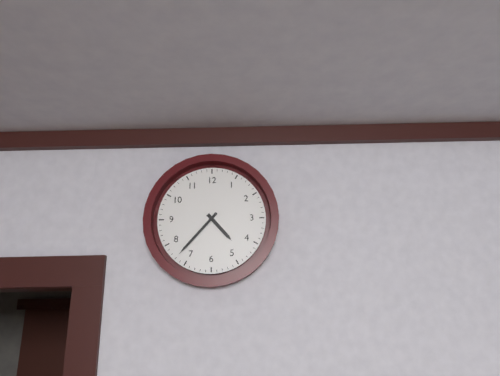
4:37
